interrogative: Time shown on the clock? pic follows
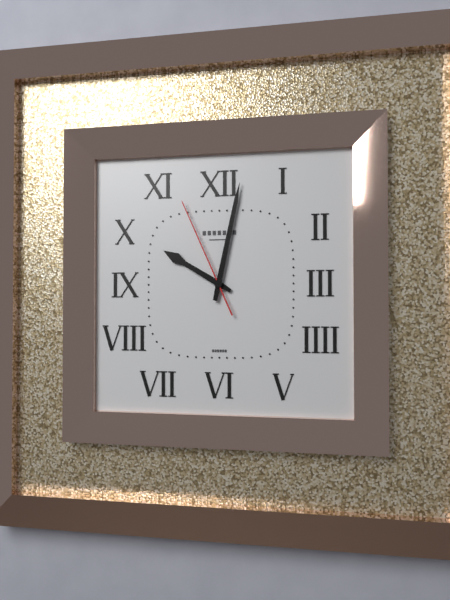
10:02:56
